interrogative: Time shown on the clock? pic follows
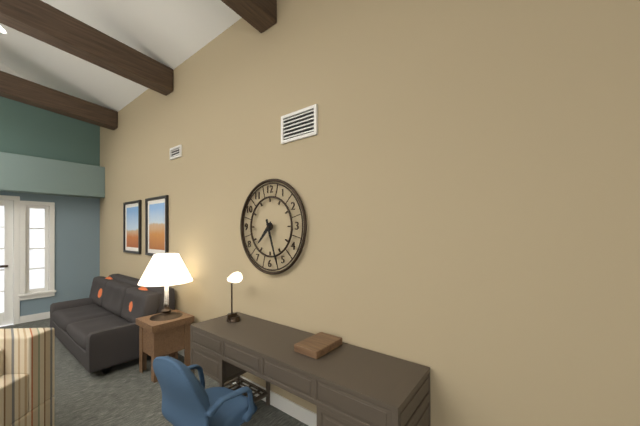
7:27
